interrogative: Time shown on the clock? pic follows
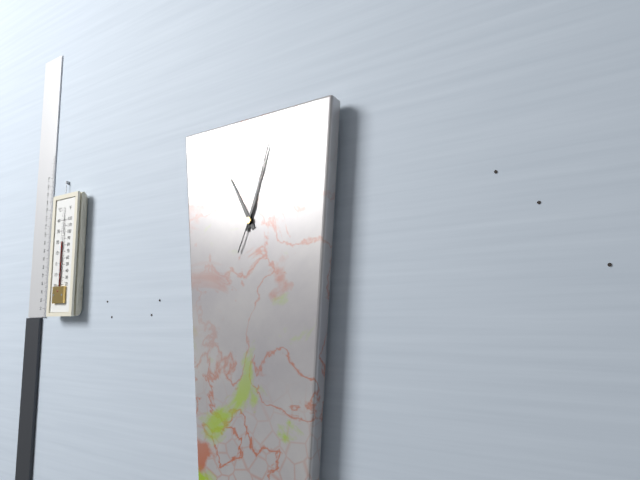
11:03:04
